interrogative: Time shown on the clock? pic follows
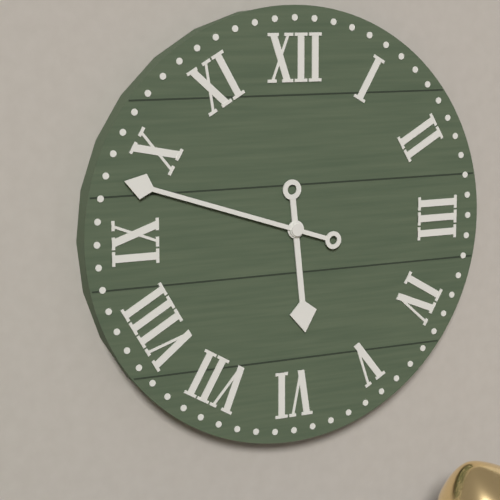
5:48
